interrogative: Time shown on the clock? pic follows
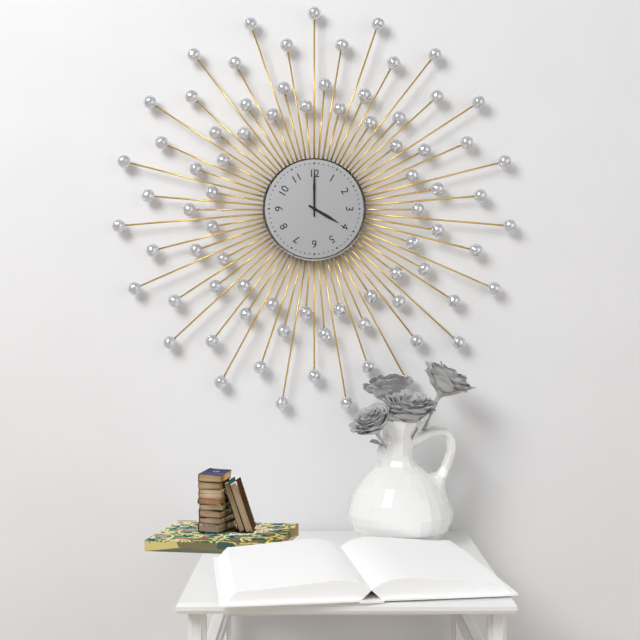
4:00
